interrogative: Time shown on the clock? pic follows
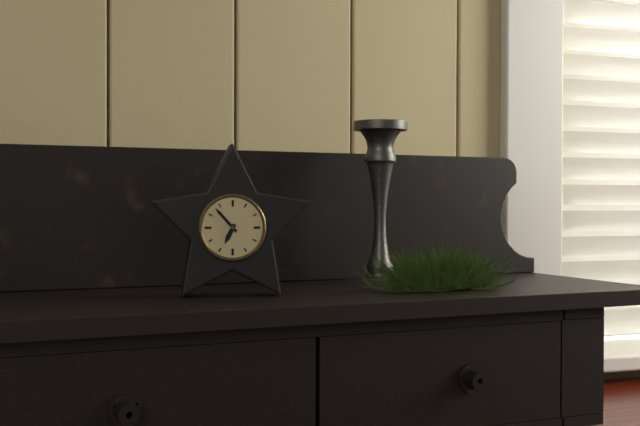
6:53
